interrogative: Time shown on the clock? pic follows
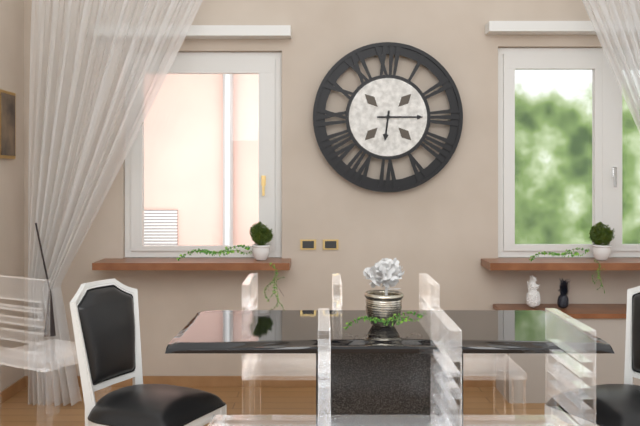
6:15
